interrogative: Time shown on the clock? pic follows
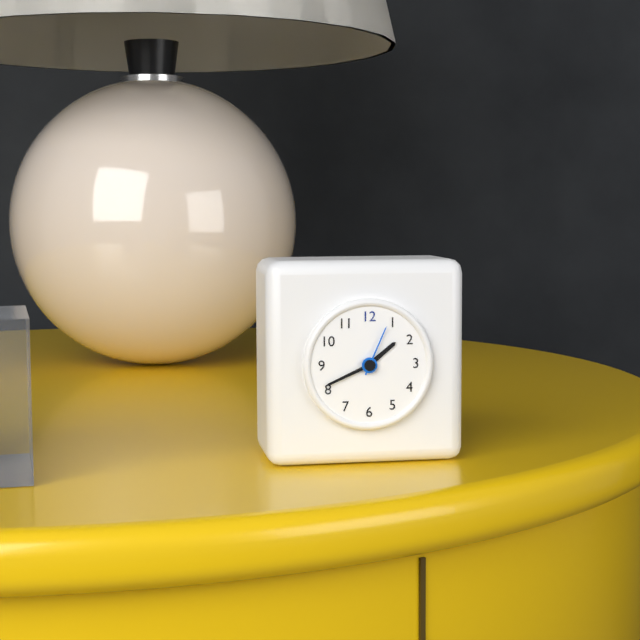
1:41:04
